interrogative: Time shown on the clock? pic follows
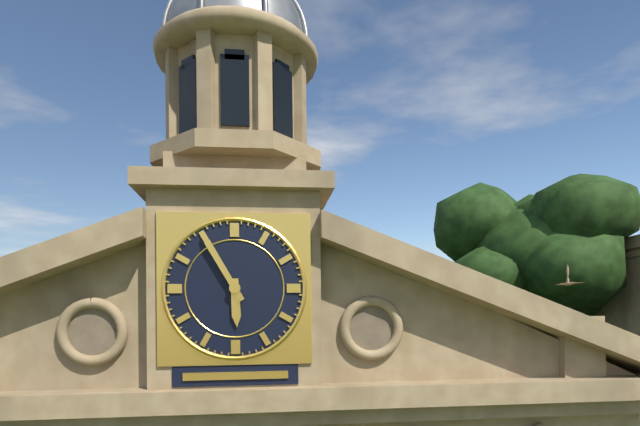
5:55
